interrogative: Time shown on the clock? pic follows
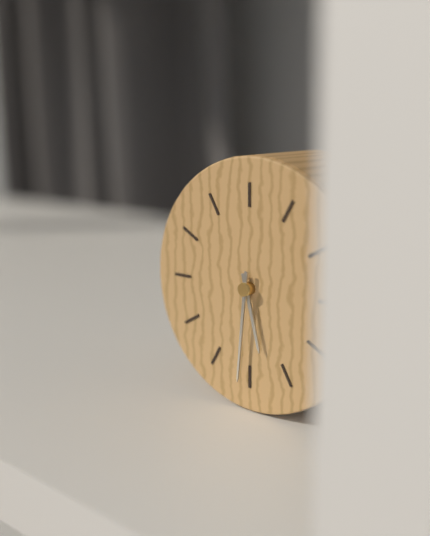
5:31
